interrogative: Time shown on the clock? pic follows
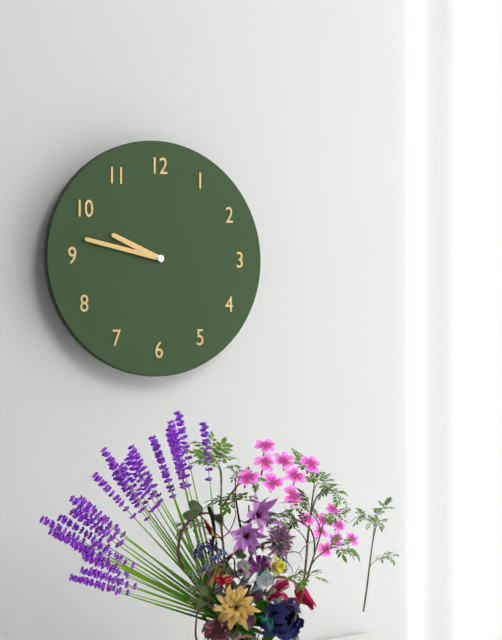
9:47
